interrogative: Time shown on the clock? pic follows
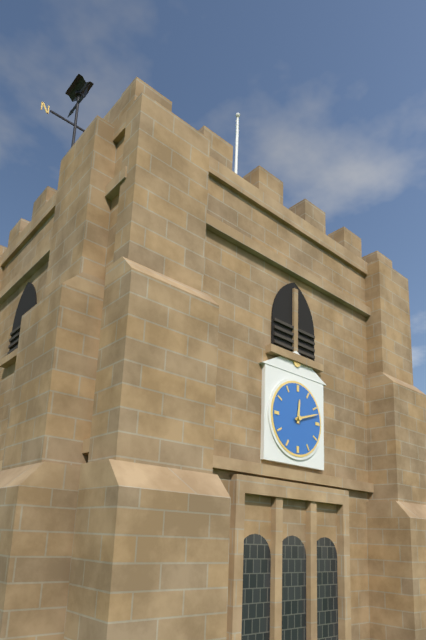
12:12
